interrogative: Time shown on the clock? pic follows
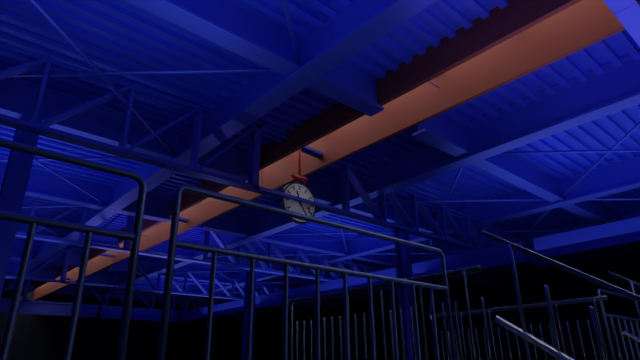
11:24
